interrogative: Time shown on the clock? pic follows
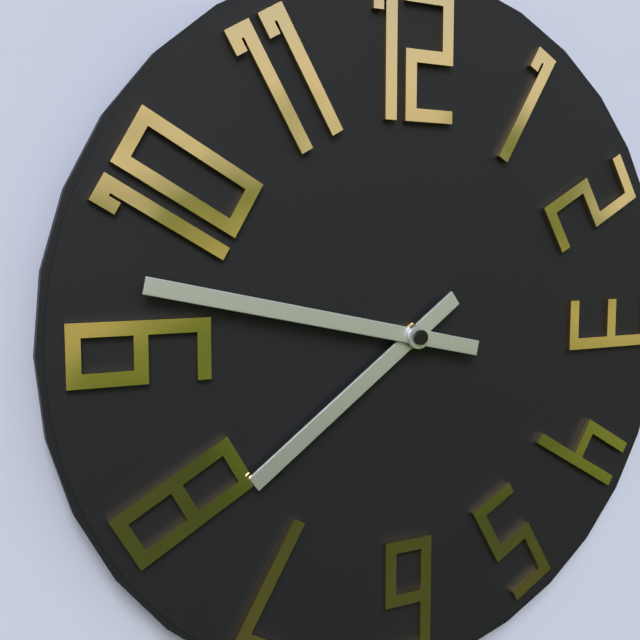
7:47
